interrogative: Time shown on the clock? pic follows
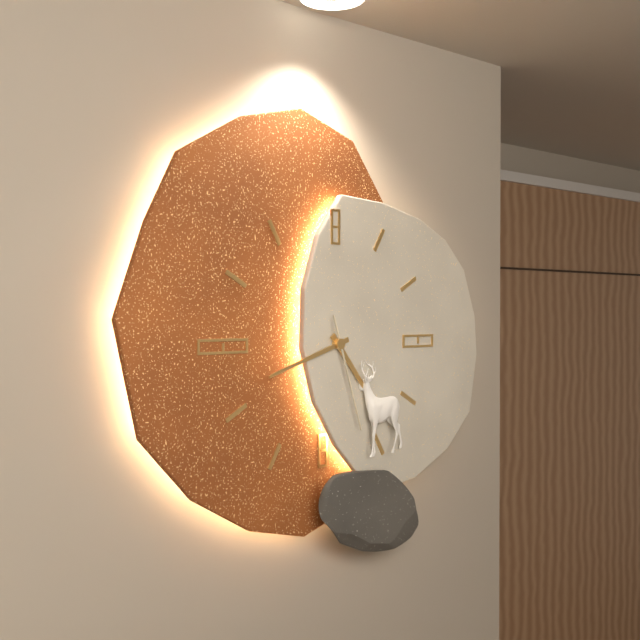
4:42:27
